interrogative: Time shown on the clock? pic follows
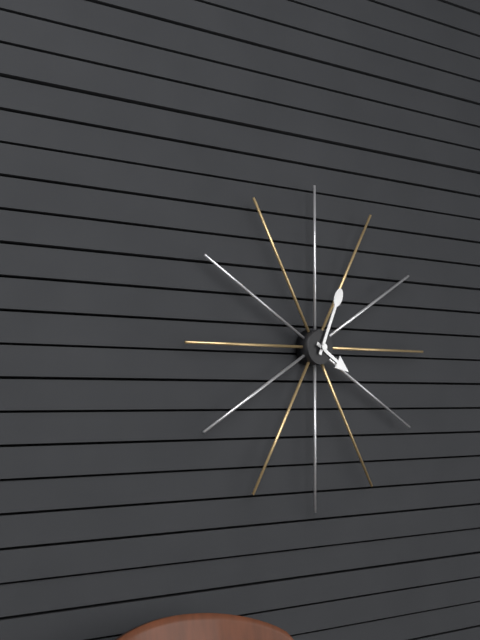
4:04
